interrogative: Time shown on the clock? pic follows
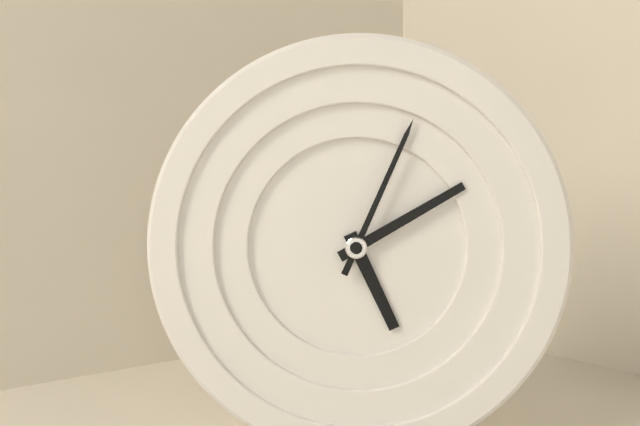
5:10:04
